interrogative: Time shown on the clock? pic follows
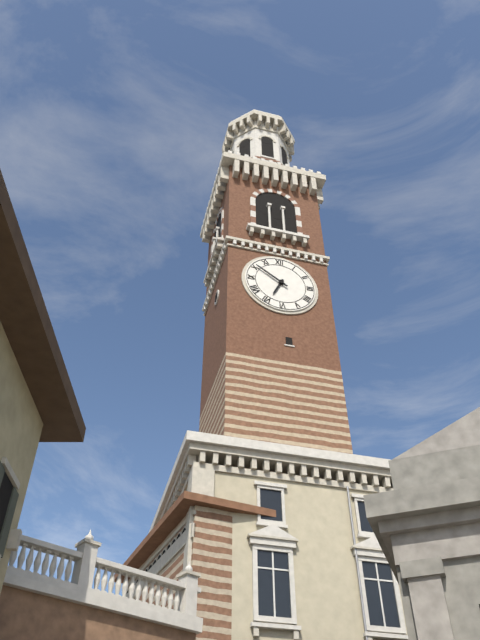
6:51
